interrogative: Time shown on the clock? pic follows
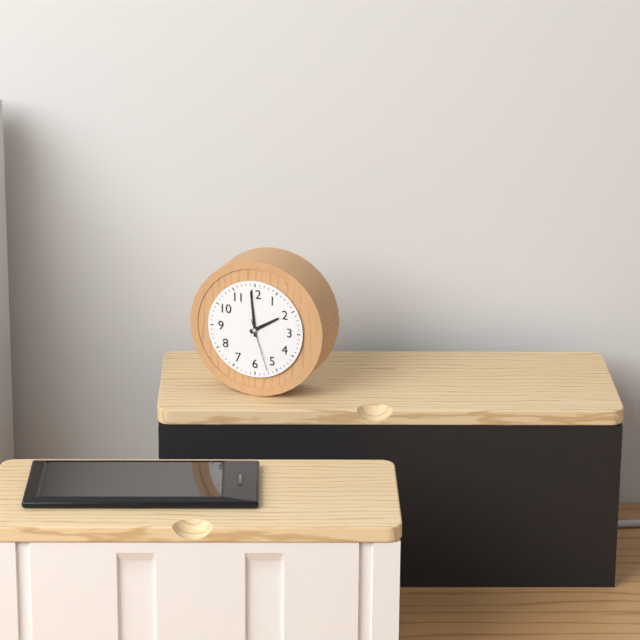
1:59:27
